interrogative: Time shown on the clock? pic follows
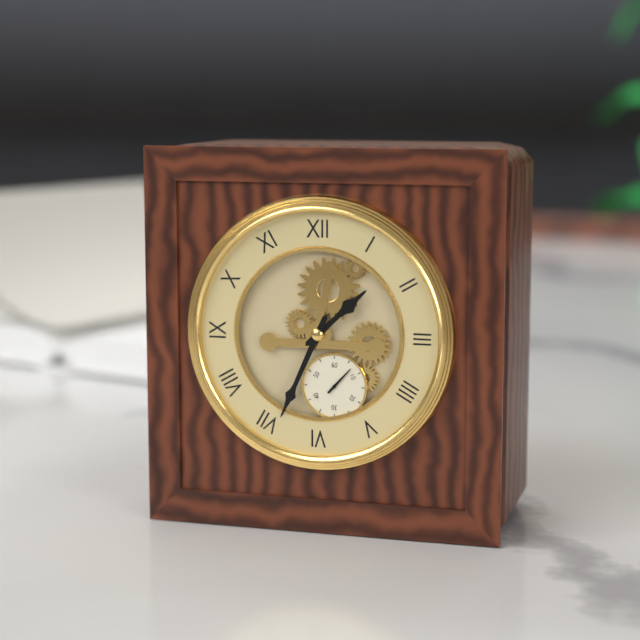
1:34
